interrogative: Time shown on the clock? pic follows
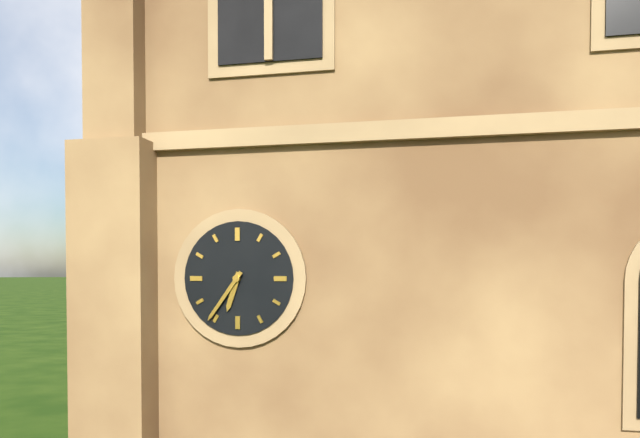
6:36
